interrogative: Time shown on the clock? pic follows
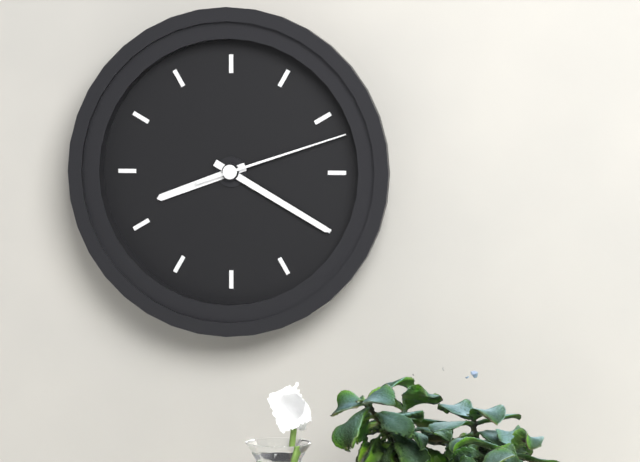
8:20:12
